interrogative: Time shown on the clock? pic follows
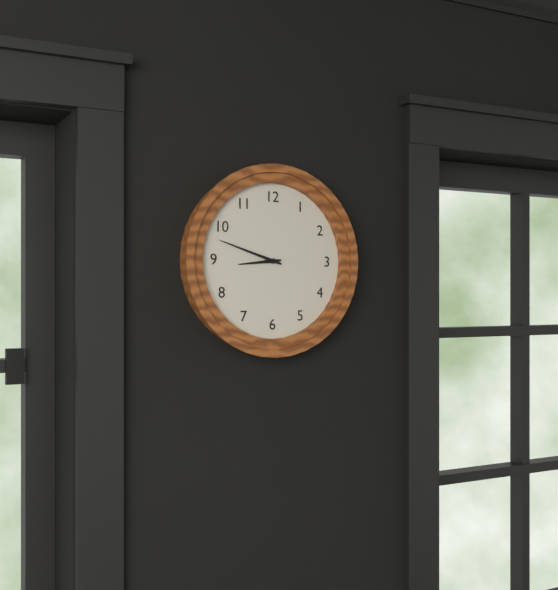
8:48
